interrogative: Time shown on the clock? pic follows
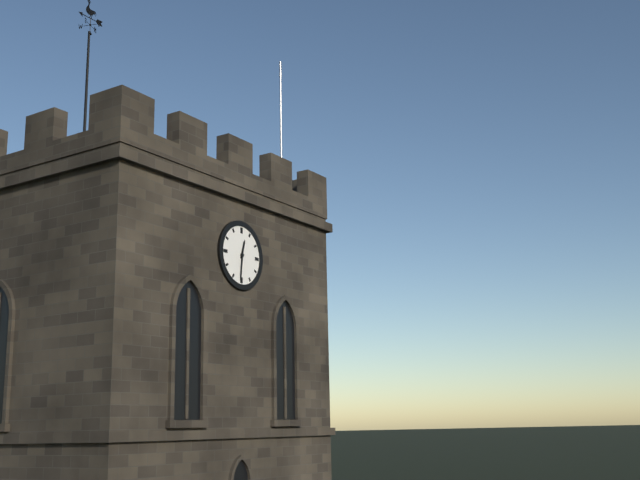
12:31
